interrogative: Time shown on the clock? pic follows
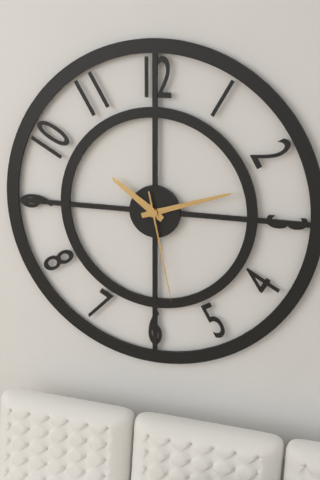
10:12:28
